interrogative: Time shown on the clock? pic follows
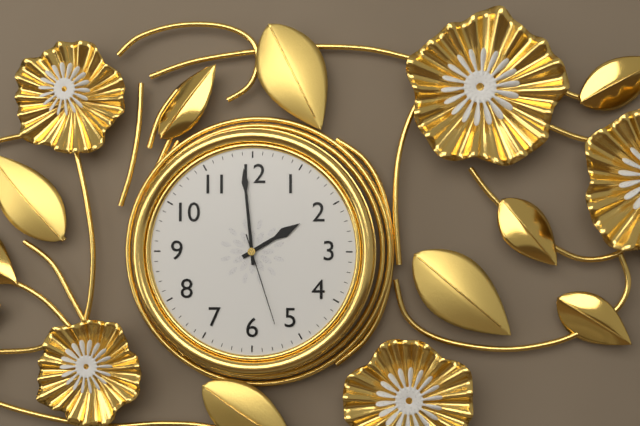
1:59:27
